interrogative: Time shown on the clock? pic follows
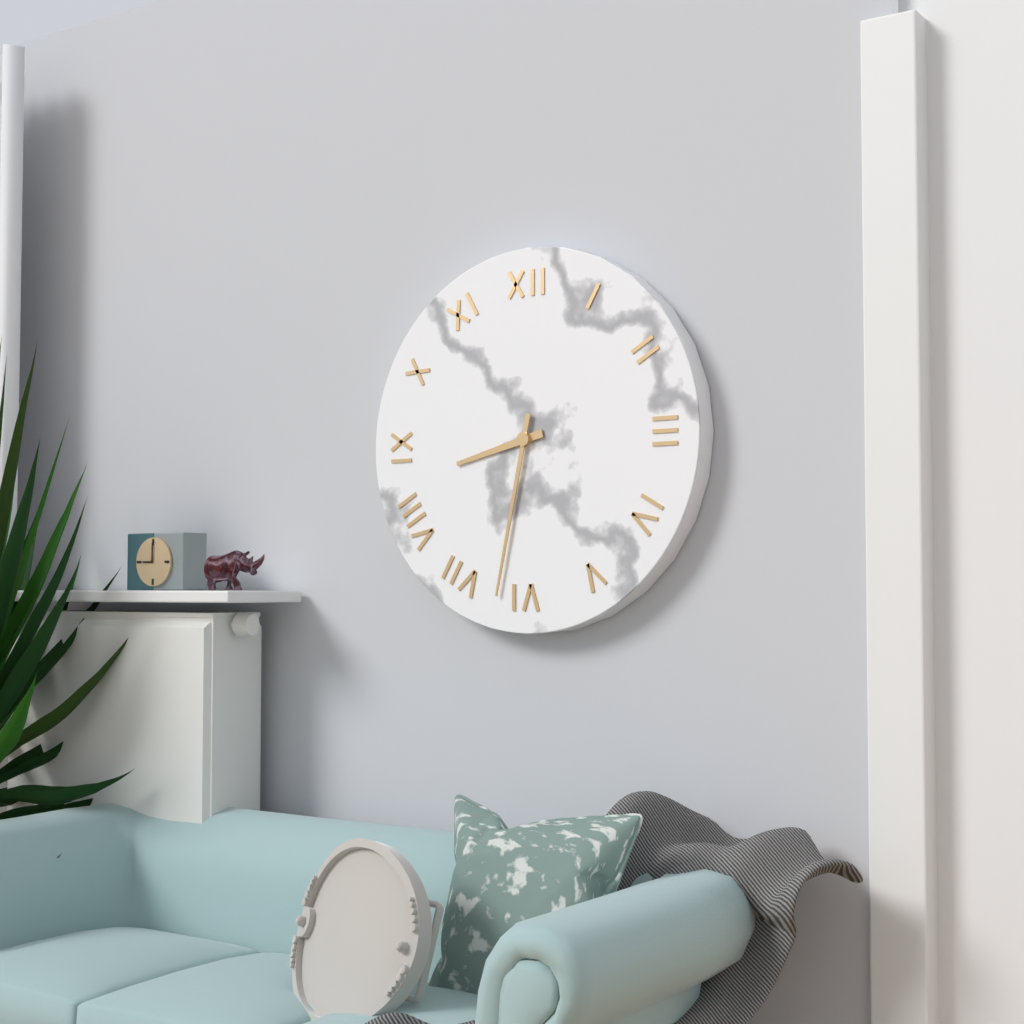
8:32
